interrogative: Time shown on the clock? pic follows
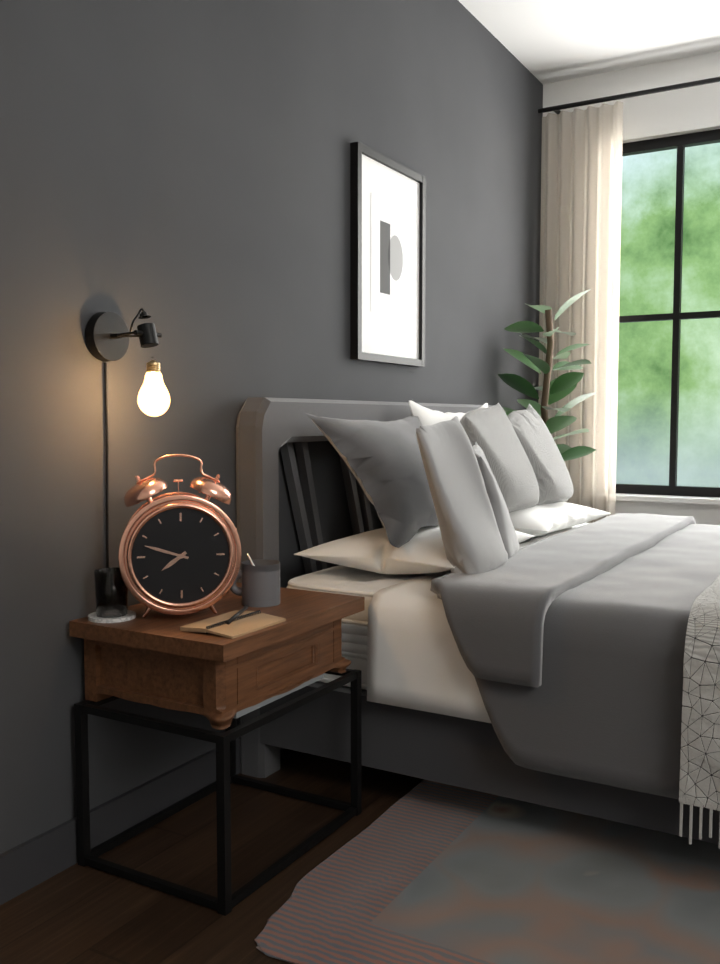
7:48
